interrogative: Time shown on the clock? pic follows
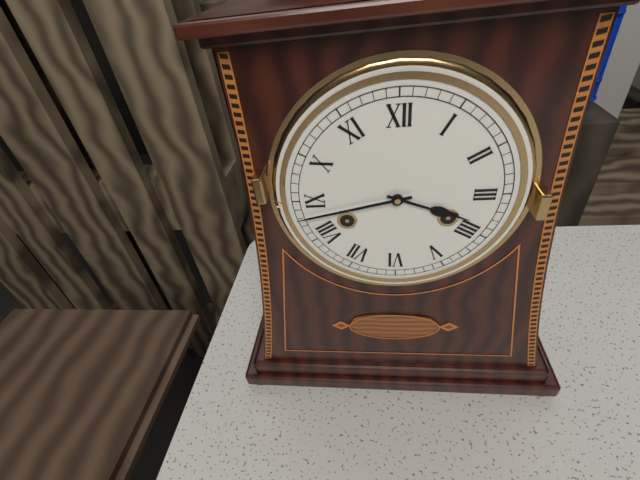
3:43
